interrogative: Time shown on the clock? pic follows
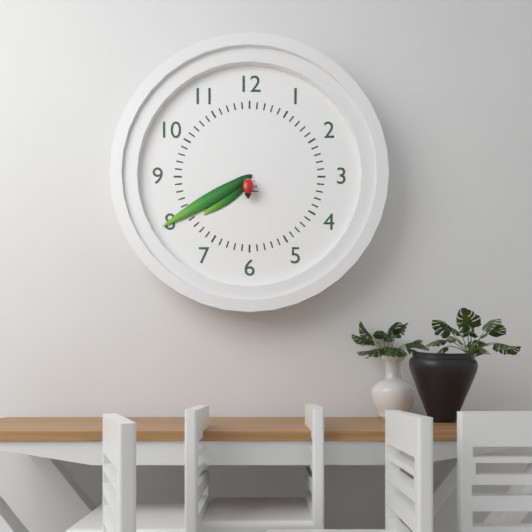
7:40
